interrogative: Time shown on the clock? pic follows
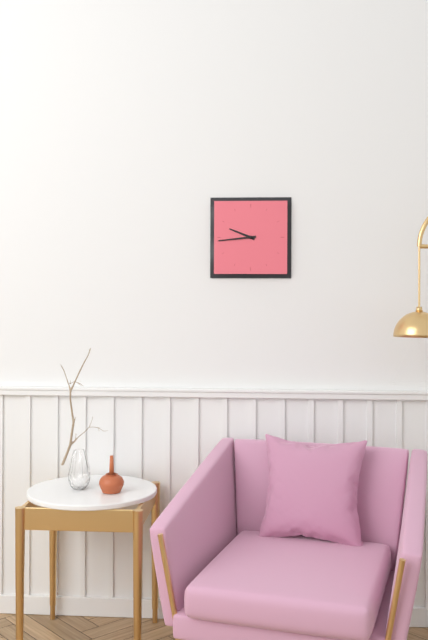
9:44
